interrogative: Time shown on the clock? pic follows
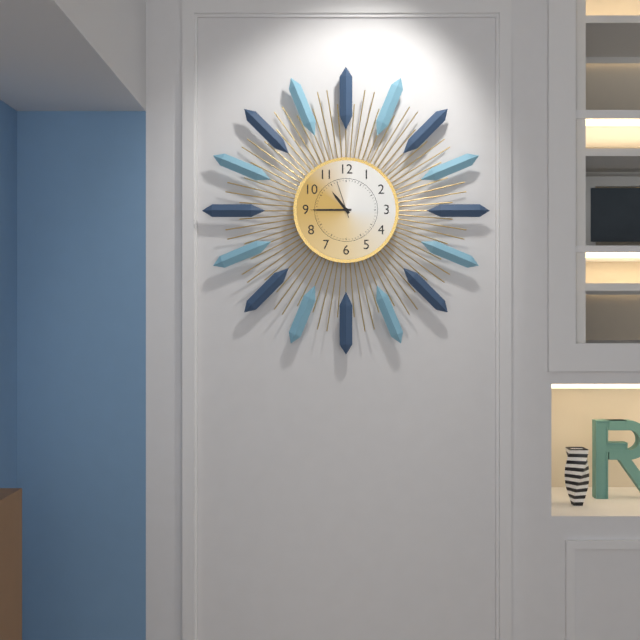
10:45
